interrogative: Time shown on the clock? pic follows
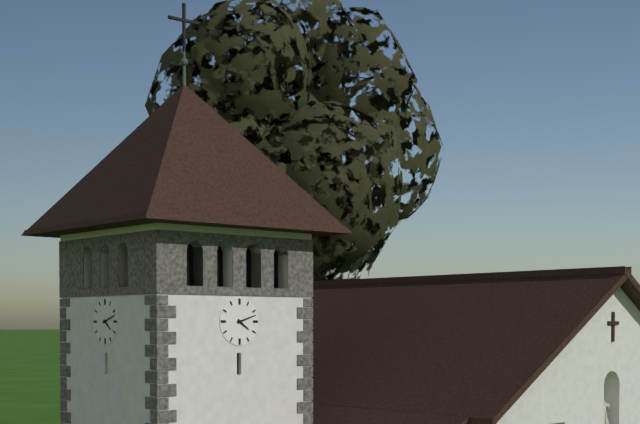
4:12
